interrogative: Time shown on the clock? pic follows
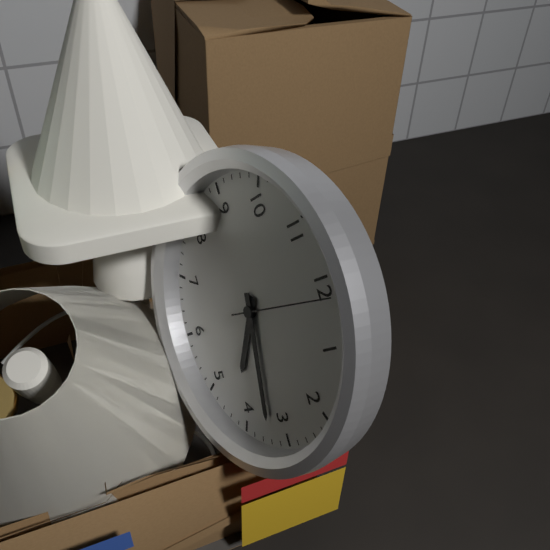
4:17:01
